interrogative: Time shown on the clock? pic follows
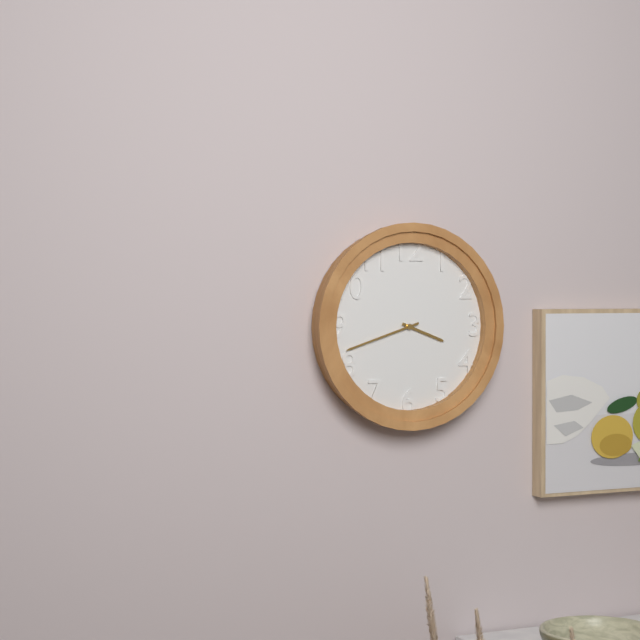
3:42
